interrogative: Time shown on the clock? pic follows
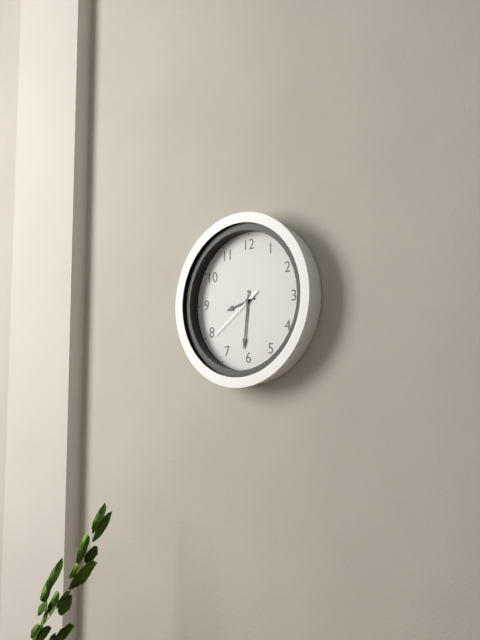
8:31:39
